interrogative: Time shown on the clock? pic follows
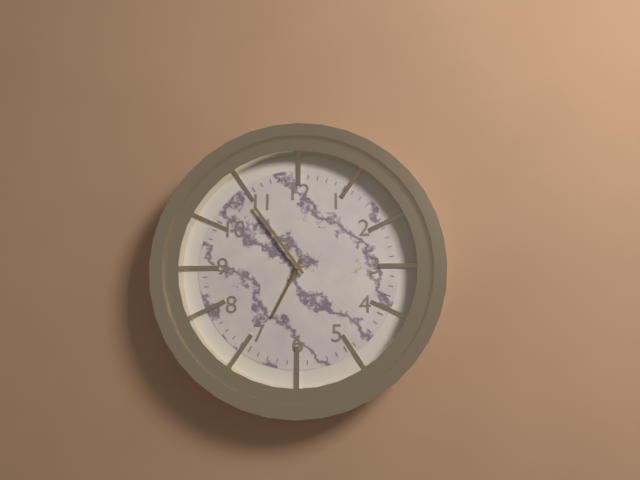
6:54
